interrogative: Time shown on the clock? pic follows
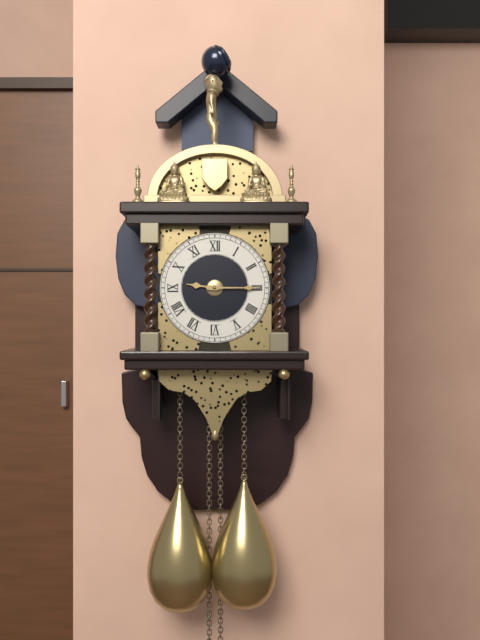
9:15
